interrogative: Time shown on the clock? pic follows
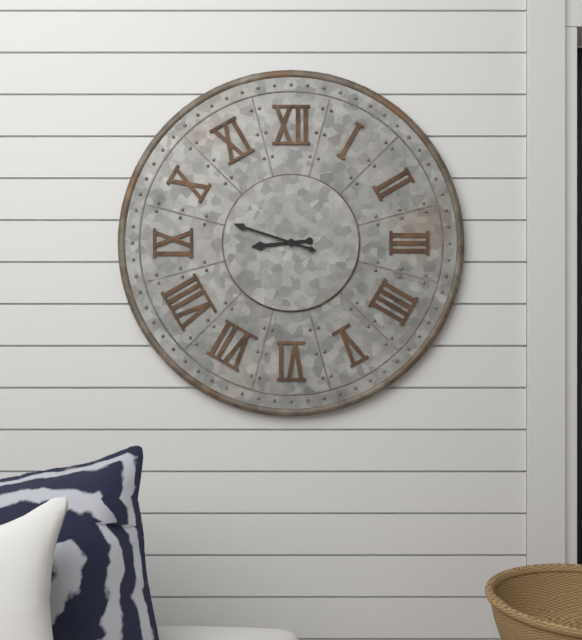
8:48
